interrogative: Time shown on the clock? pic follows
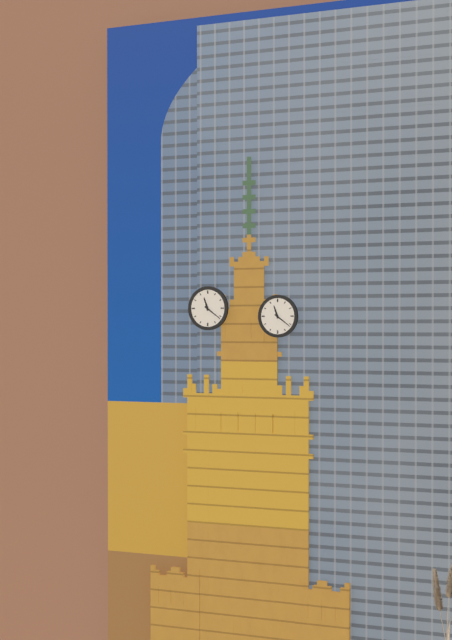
11:21
